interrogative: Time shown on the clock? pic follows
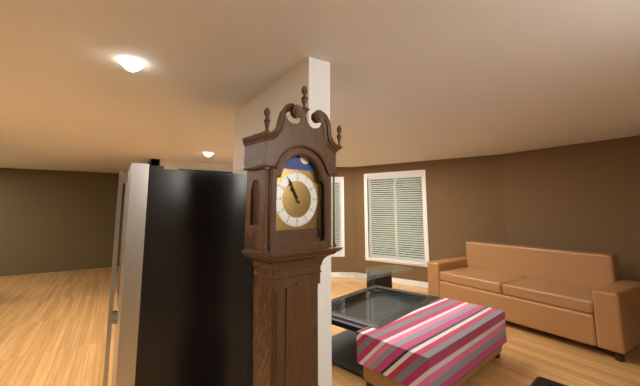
10:55
